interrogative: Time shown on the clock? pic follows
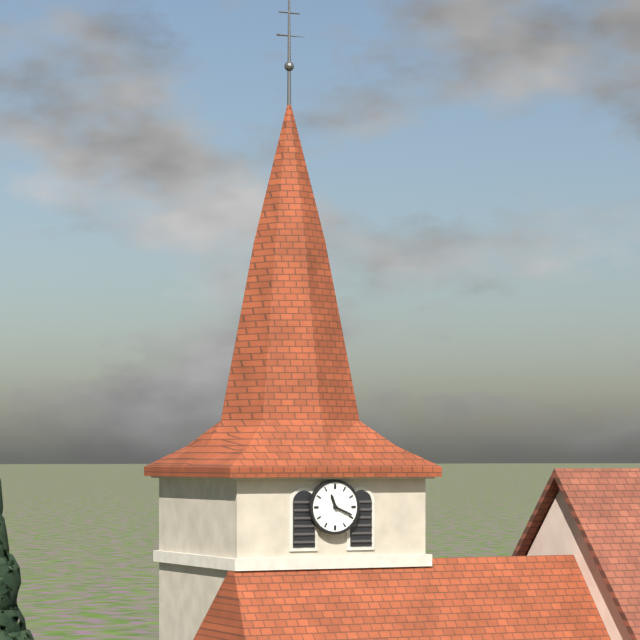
11:19
